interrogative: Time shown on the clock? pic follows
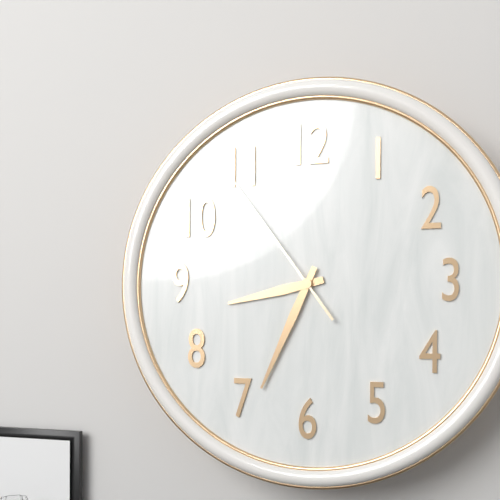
8:34:54
